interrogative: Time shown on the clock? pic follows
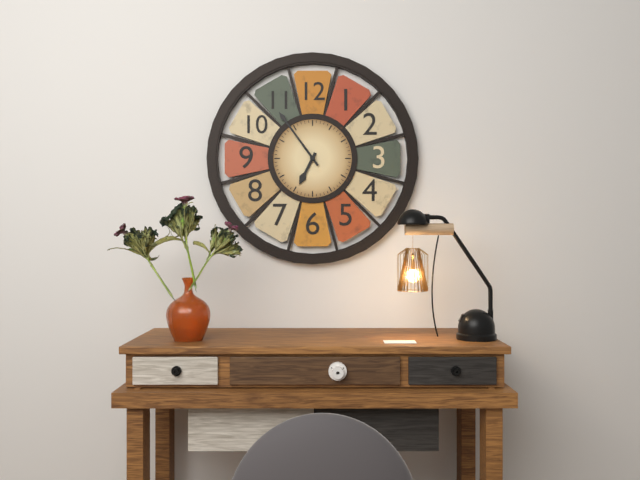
6:54
